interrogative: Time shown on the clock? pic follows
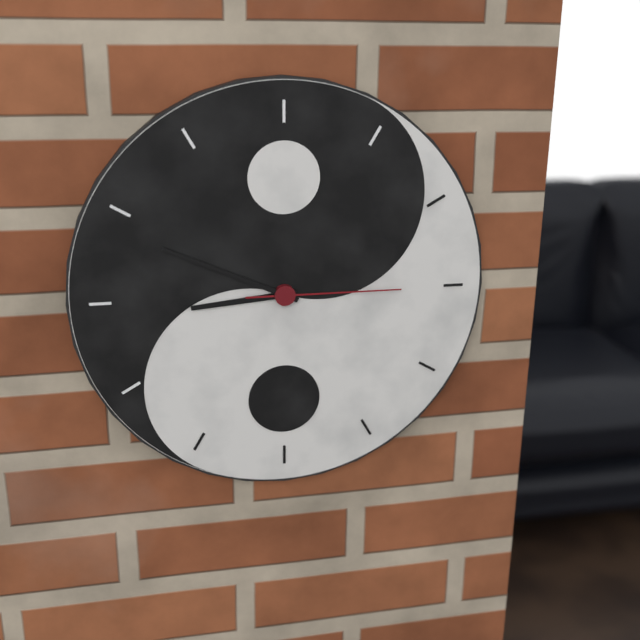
8:49:15
